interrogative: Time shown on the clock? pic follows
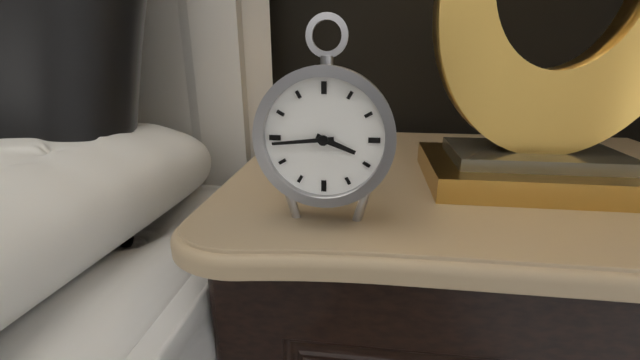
3:44
